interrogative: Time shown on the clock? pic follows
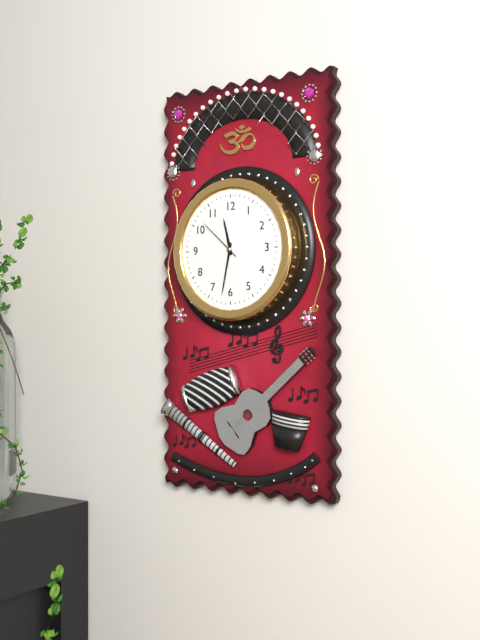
11:32
